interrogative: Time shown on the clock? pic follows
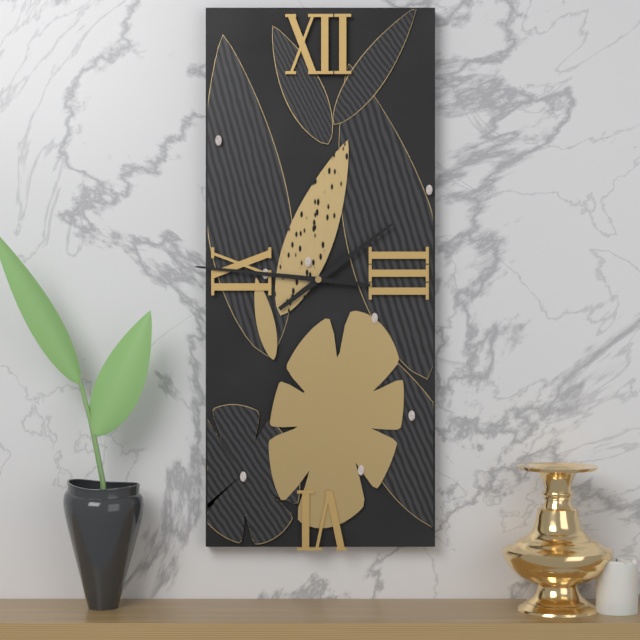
1:46
